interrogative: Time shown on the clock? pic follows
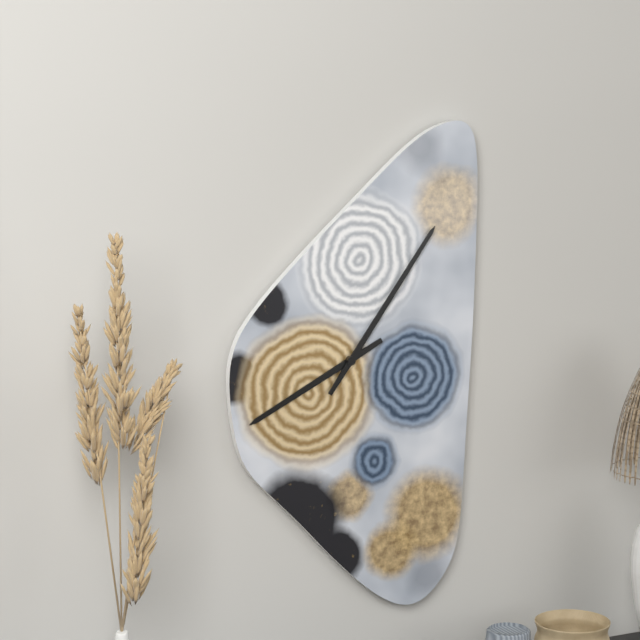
8:06
